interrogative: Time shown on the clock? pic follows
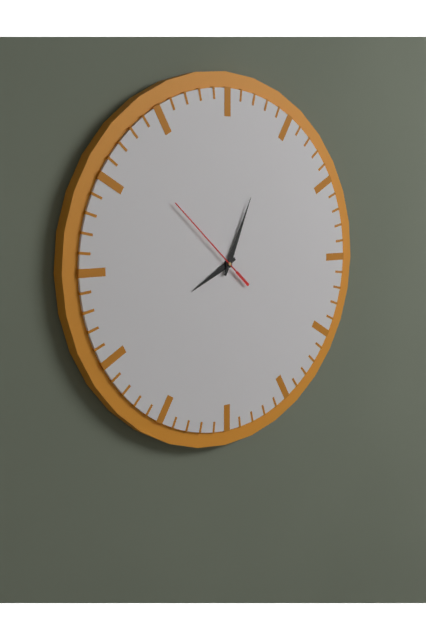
8:04:52
